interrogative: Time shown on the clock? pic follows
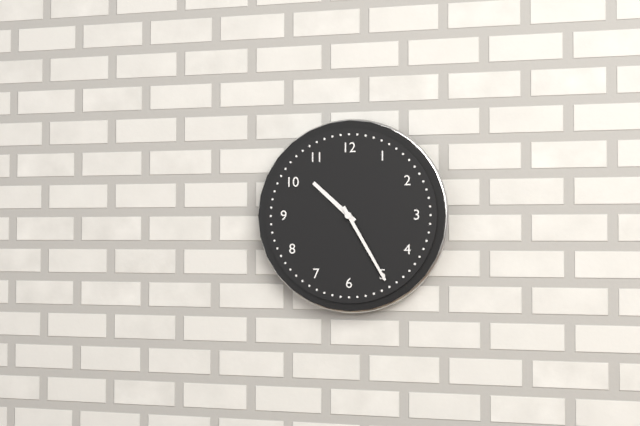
10:25
